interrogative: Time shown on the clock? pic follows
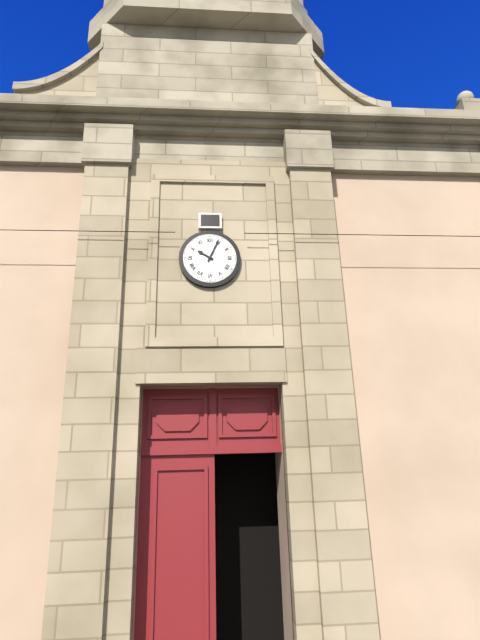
10:04
